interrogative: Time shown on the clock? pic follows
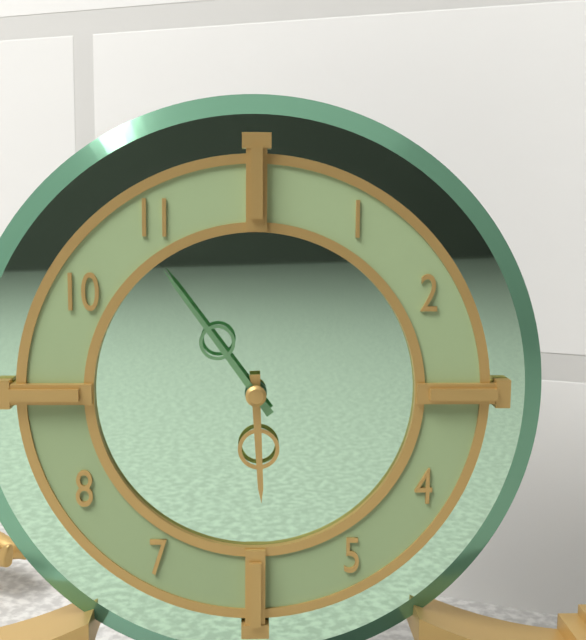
5:54
